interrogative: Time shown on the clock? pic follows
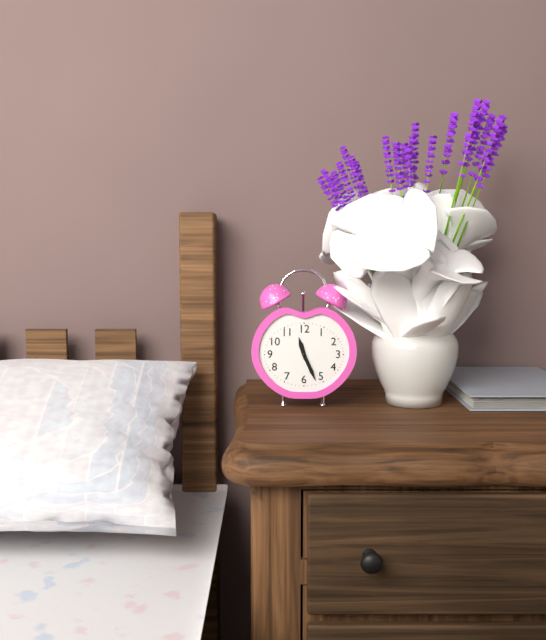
11:26
